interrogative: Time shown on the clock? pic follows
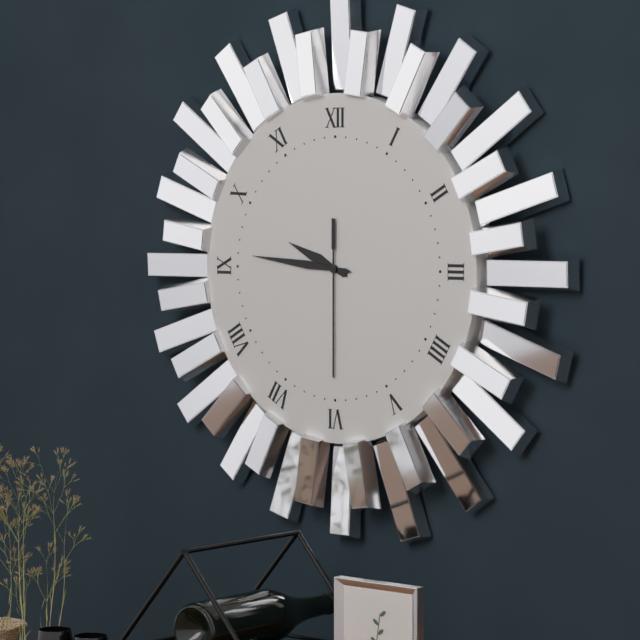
9:46:30
